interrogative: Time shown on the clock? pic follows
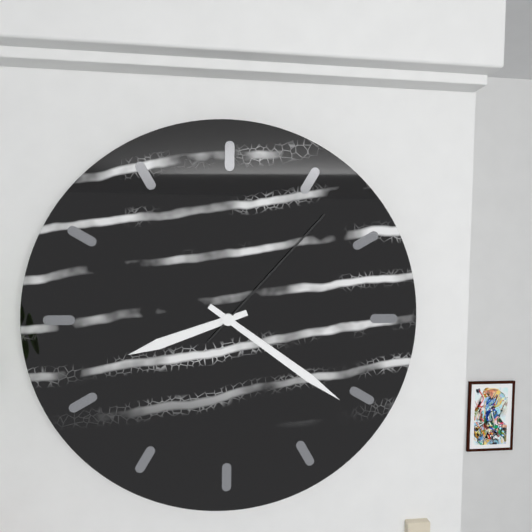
8:21:07
